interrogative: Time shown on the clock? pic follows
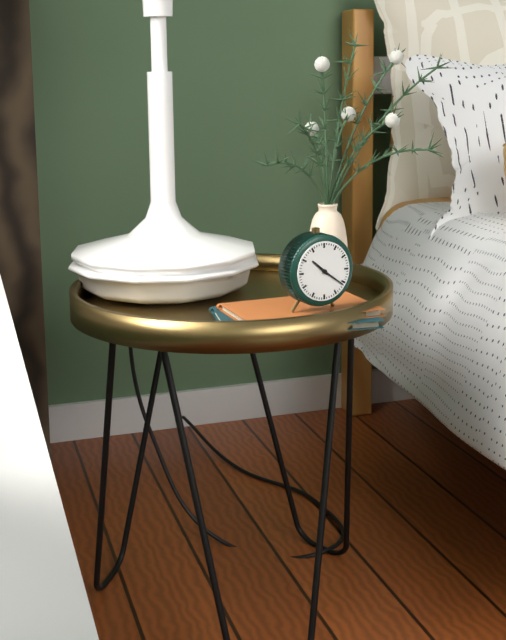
10:21
